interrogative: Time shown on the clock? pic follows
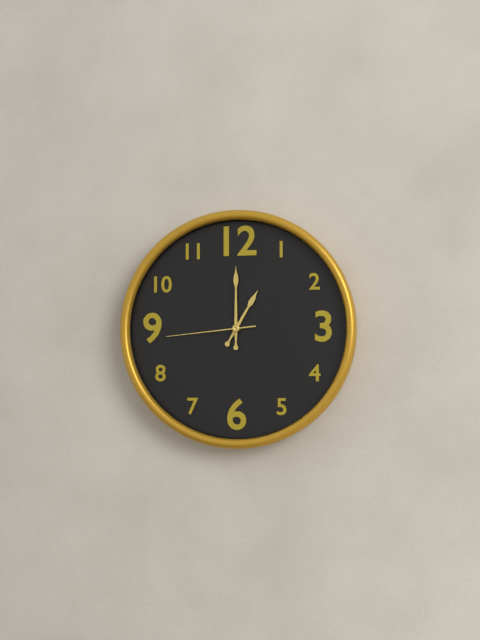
1:00:44
